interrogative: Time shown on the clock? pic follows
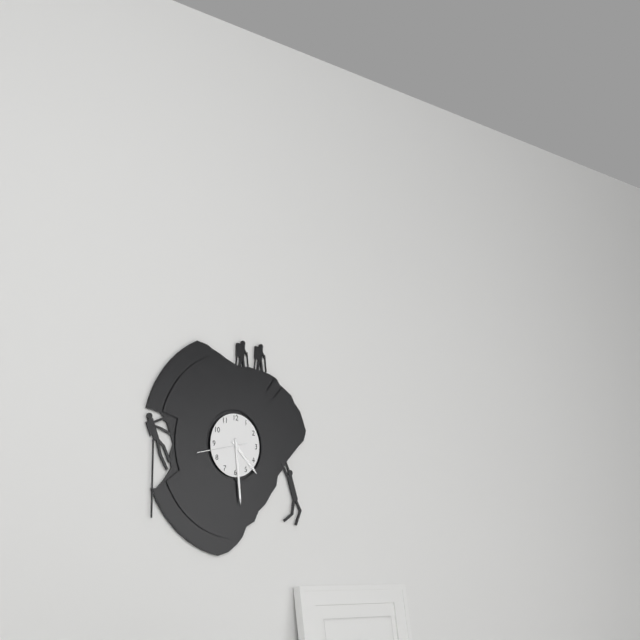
4:29
